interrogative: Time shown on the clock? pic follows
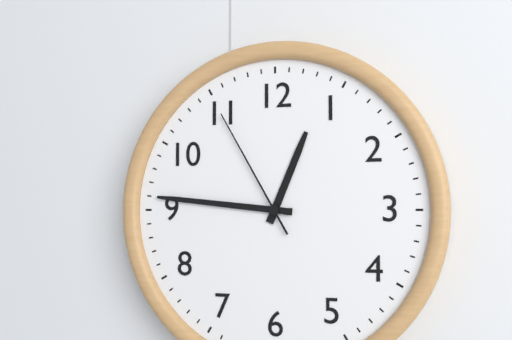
12:46:55
